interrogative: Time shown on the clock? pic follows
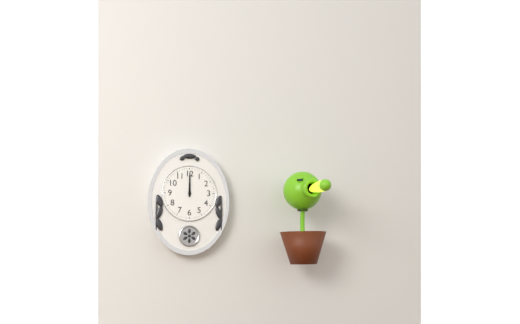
12:00
